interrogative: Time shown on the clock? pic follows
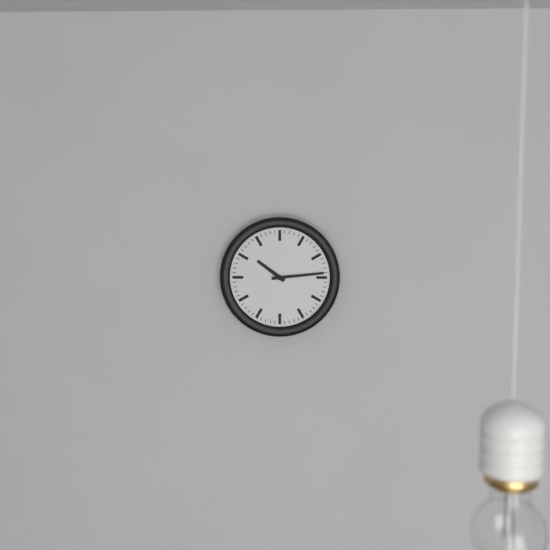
10:14
